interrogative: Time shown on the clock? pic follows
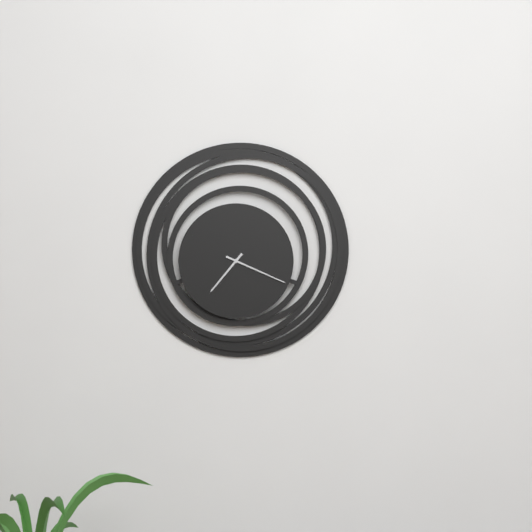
7:19
